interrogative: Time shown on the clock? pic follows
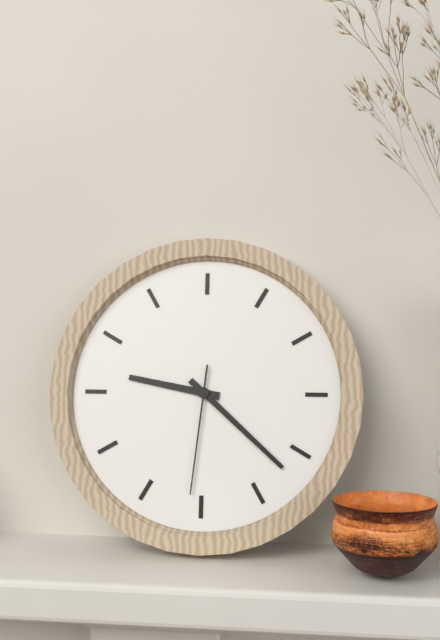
9:22:31
